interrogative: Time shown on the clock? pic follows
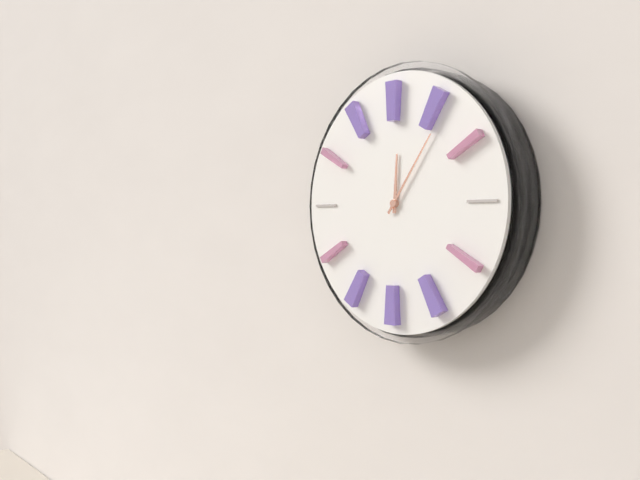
12:06
